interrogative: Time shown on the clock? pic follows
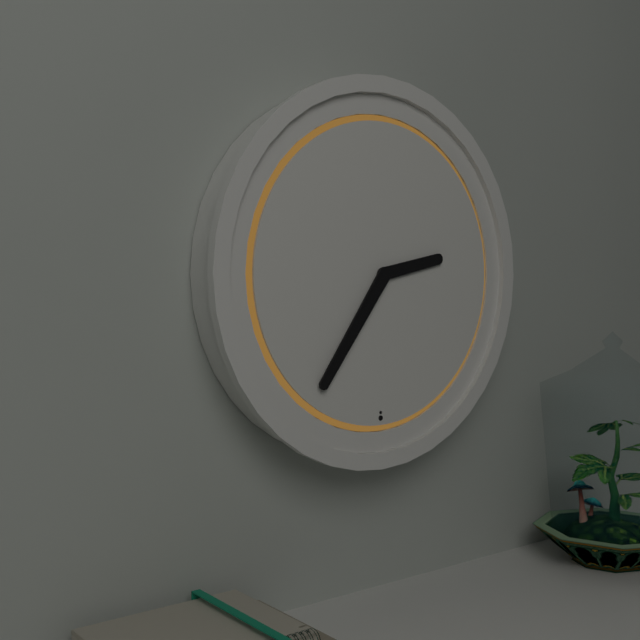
2:36
